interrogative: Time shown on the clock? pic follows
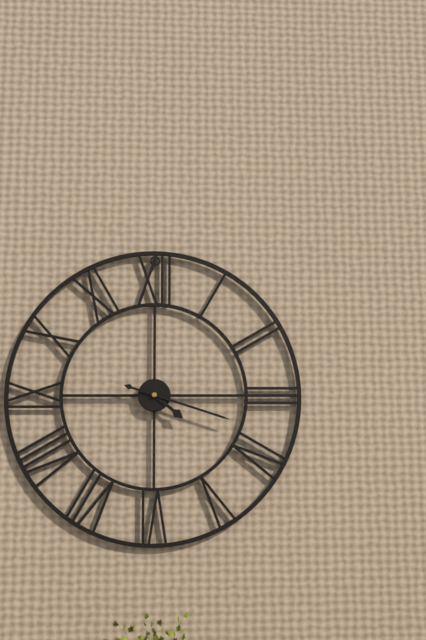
4:18
